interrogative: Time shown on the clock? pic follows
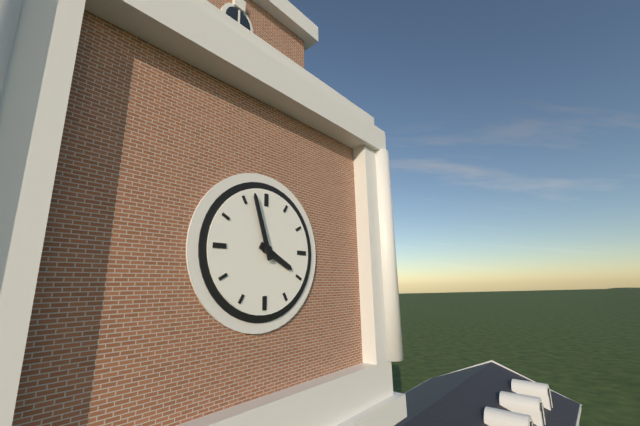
3:57
